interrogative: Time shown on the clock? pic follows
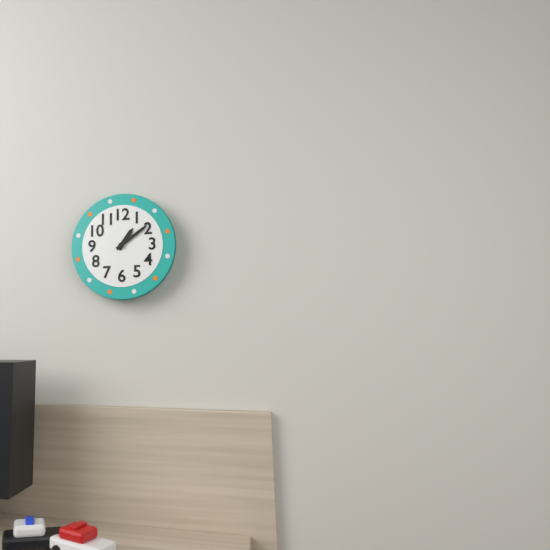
1:09
